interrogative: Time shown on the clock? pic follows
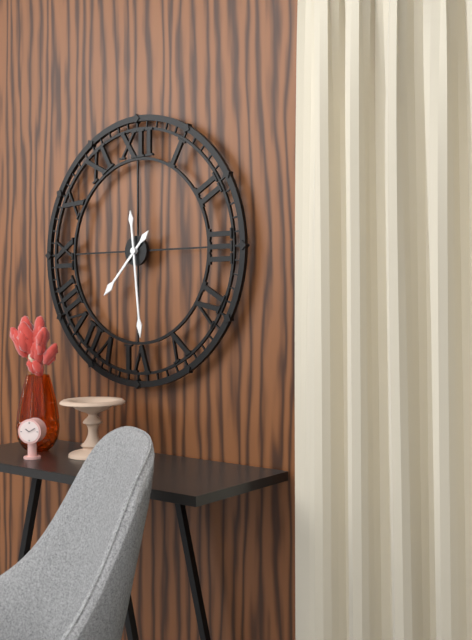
7:29
